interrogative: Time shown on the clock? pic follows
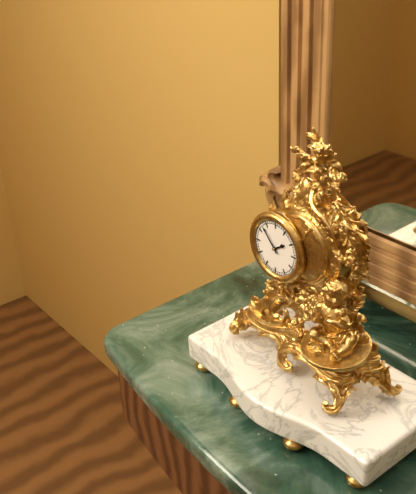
1:53
